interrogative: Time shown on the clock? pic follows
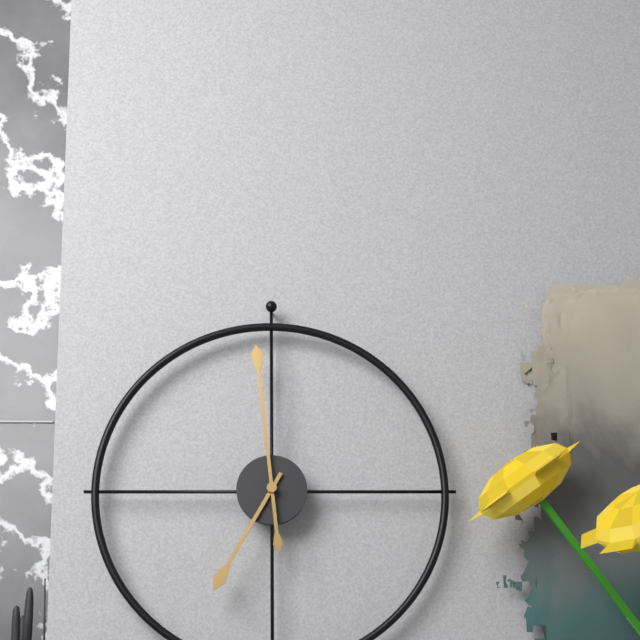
6:59
